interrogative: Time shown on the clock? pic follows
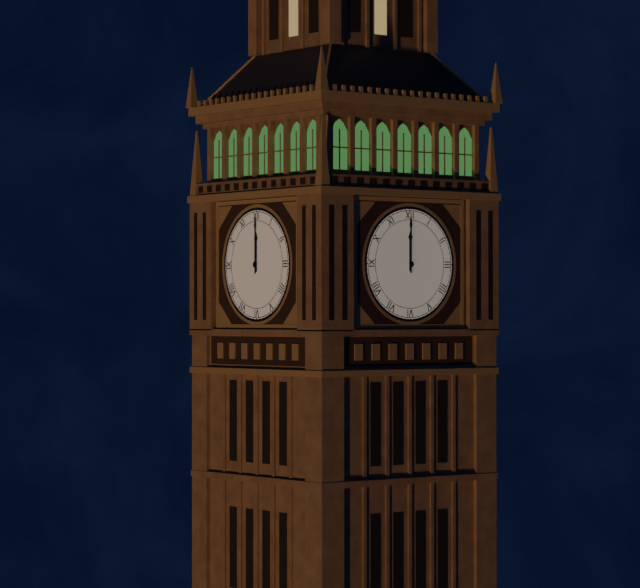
12:00
